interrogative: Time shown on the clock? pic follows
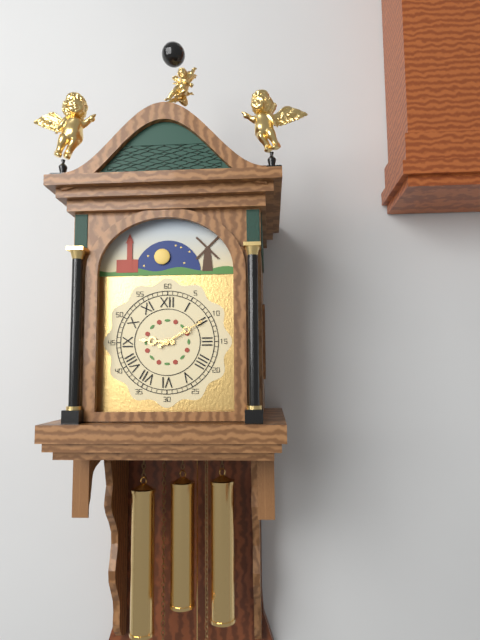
9:10
